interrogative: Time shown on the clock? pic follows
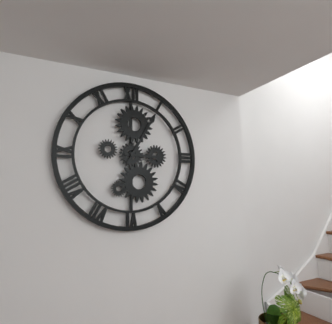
3:05
